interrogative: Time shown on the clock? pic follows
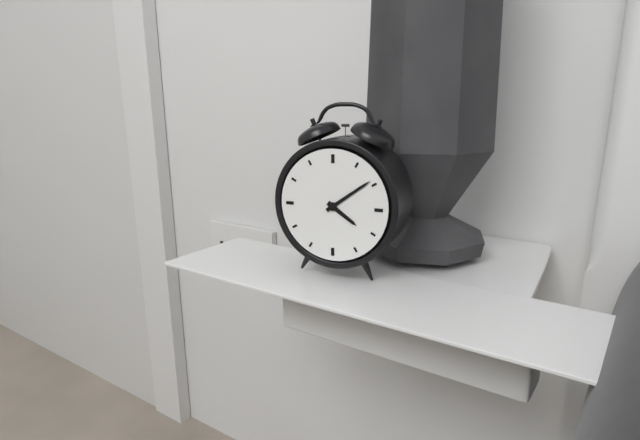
4:09
